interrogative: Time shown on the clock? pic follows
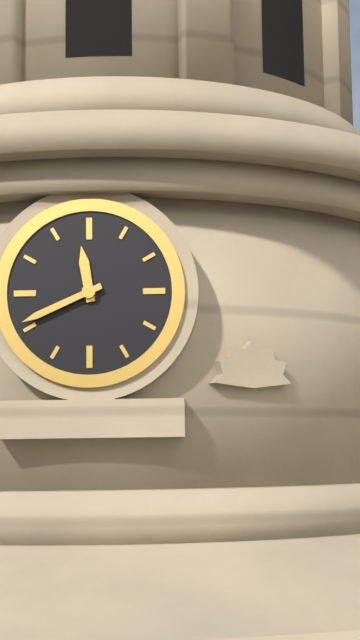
11:41
